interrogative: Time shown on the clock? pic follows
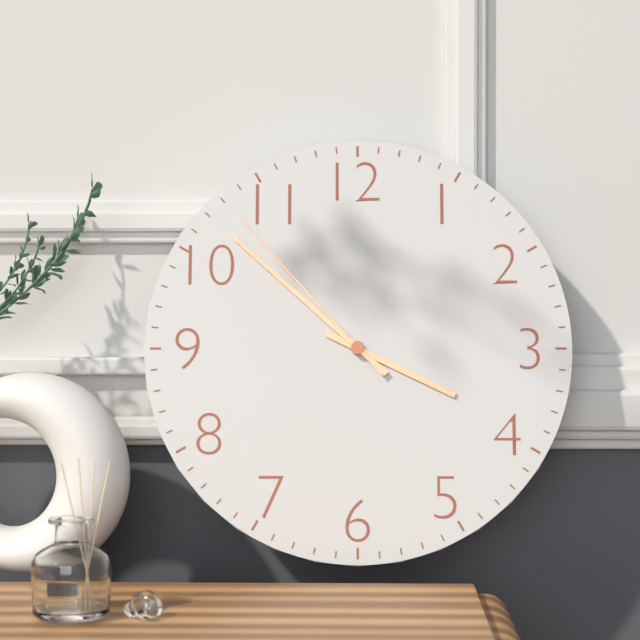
3:52:53
